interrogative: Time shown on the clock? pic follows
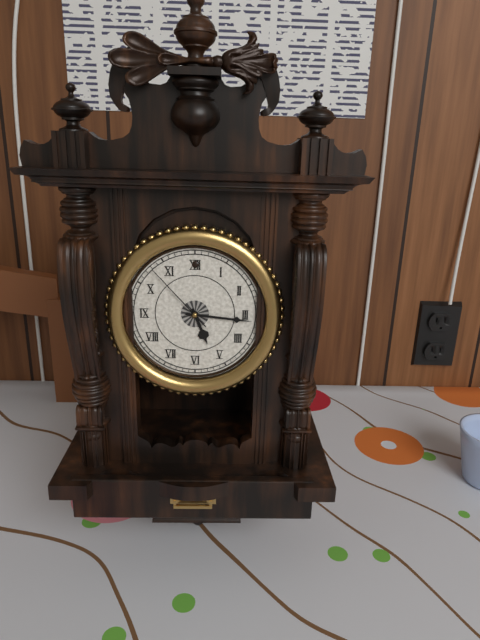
5:16:53
